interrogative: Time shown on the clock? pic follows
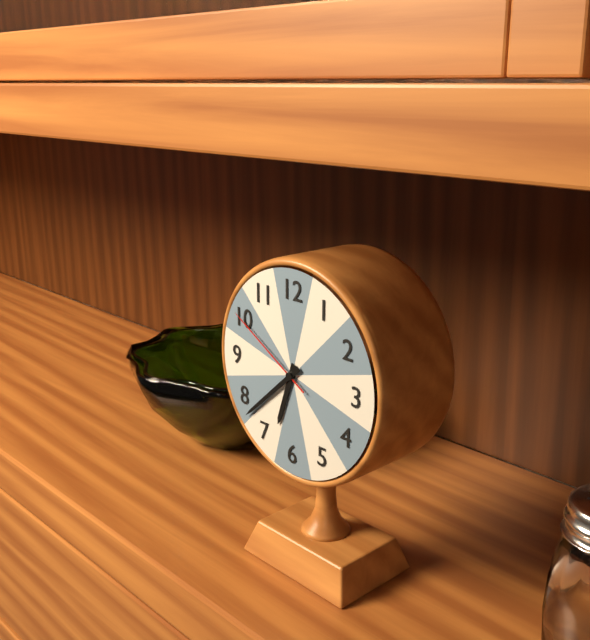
6:38:50
